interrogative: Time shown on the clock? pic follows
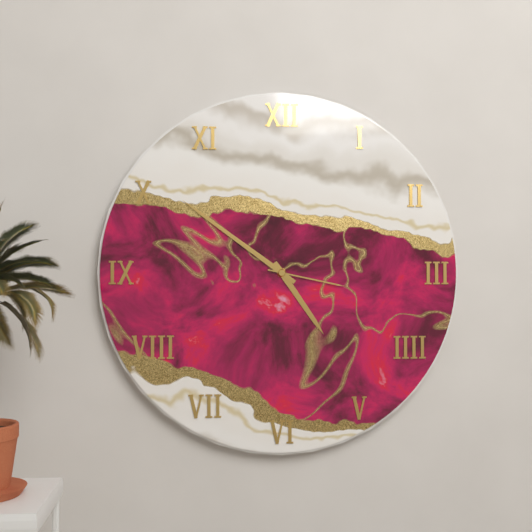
4:51:17
